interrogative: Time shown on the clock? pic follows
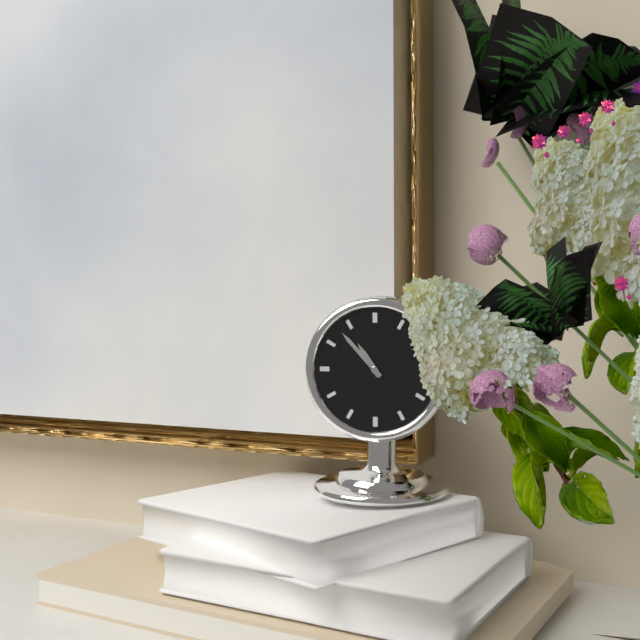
10:53
